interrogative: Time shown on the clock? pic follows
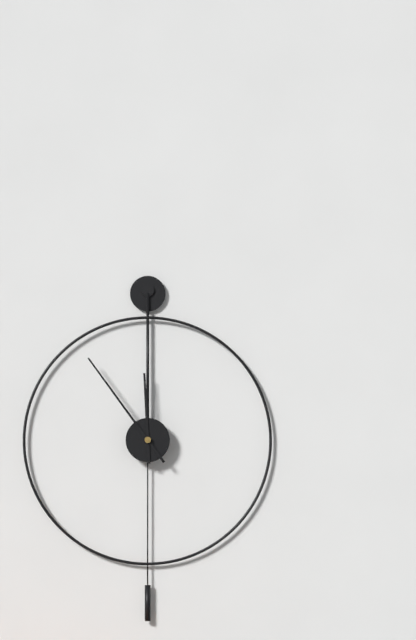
11:54
